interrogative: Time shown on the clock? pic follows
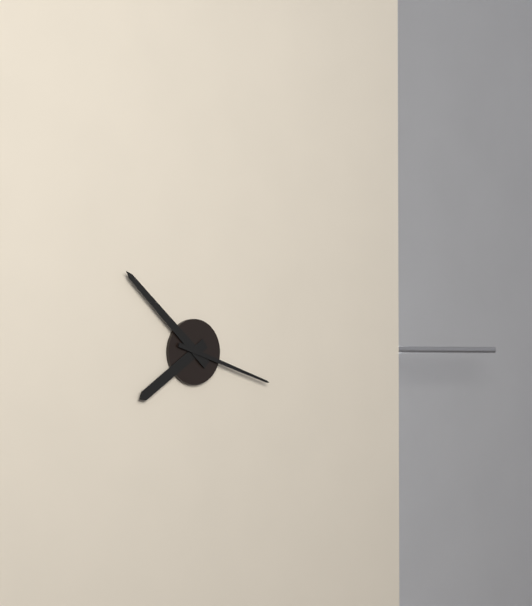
7:52:18
